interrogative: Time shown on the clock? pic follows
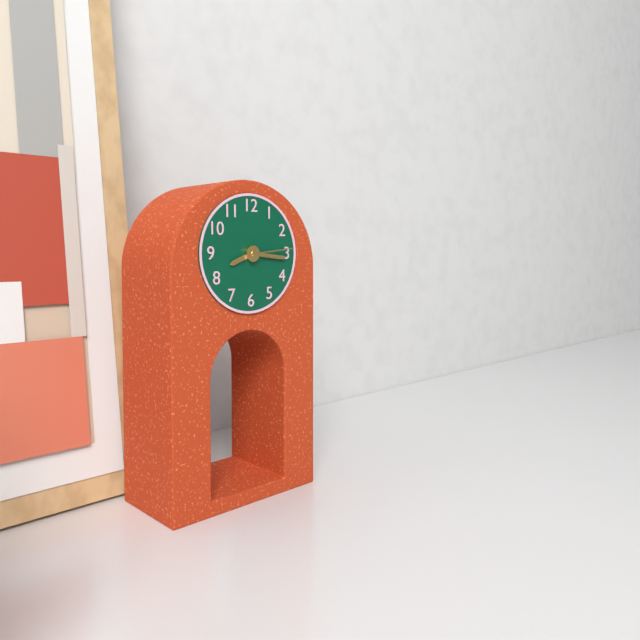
8:16
